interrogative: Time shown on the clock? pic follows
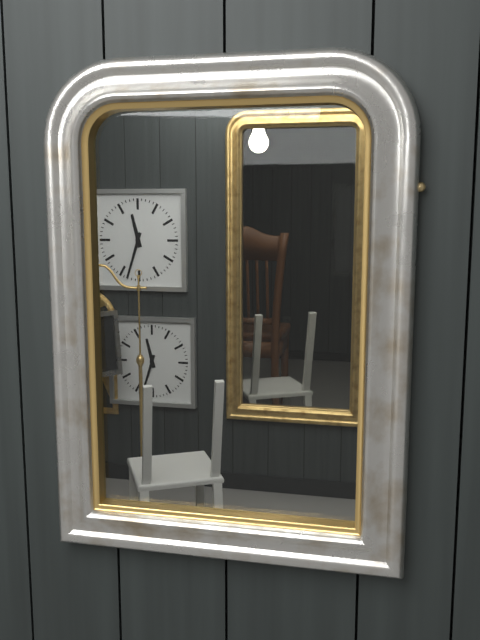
11:33
